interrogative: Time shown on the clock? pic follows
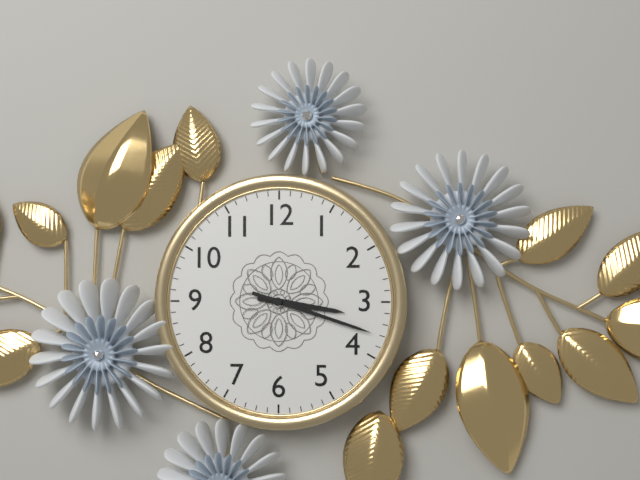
3:18
